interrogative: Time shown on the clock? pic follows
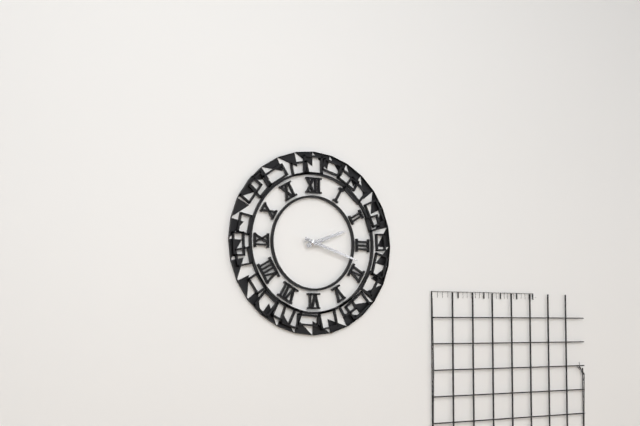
2:18
